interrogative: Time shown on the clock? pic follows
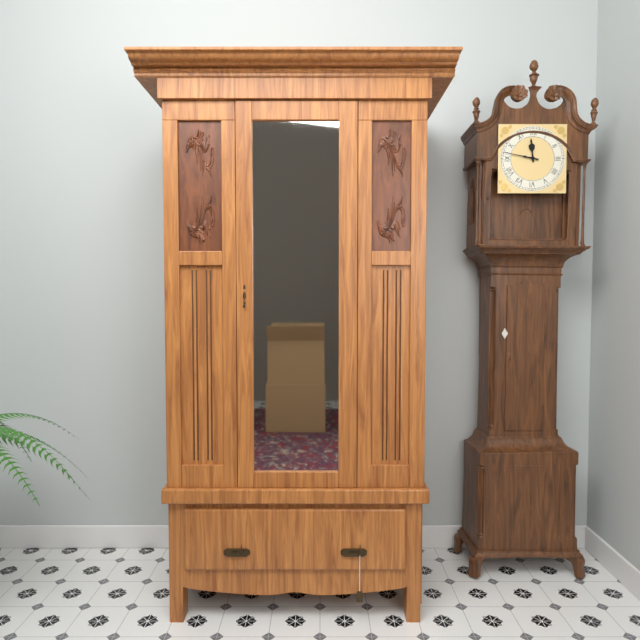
11:47
